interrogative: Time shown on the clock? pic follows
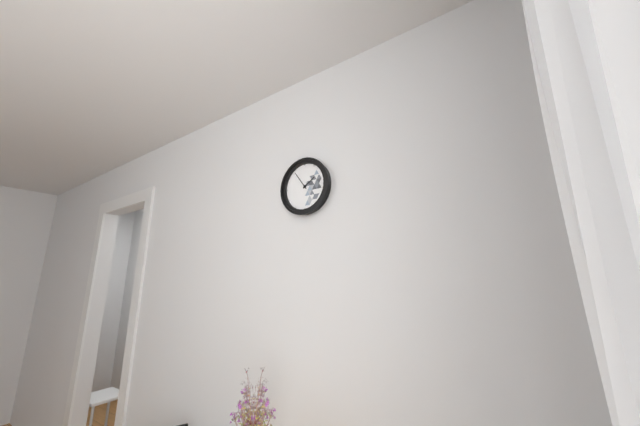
1:54
